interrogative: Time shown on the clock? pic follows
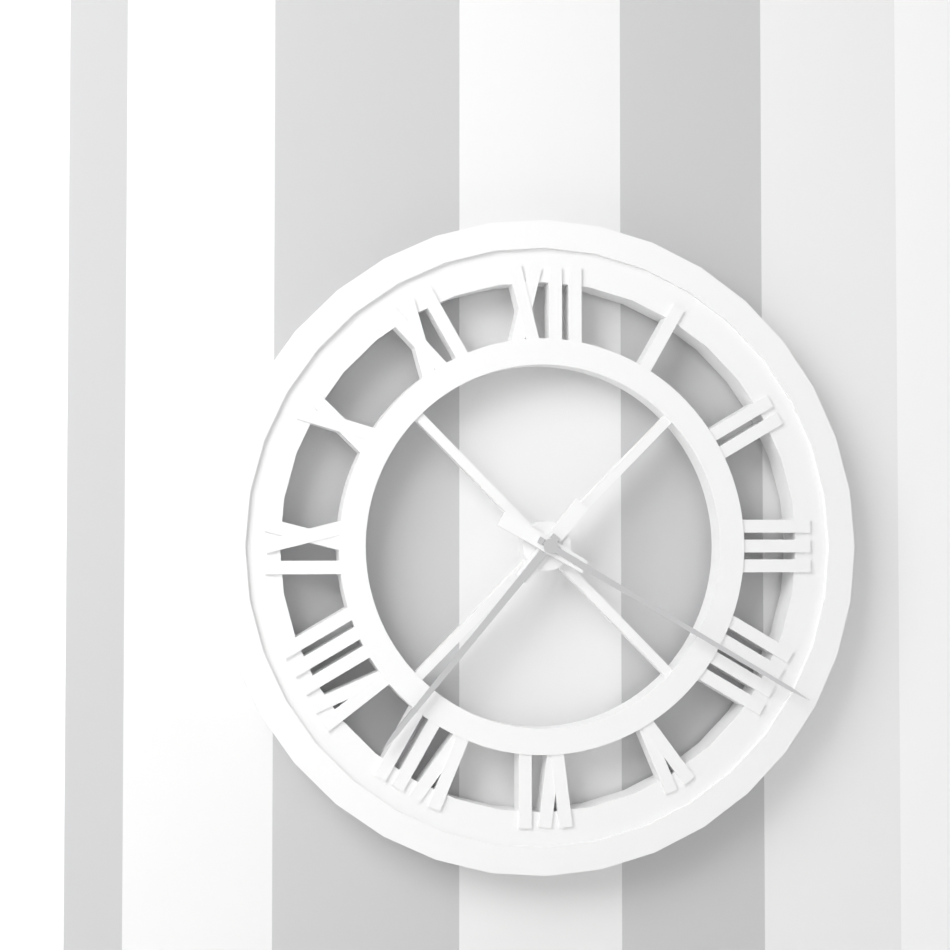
7:20
